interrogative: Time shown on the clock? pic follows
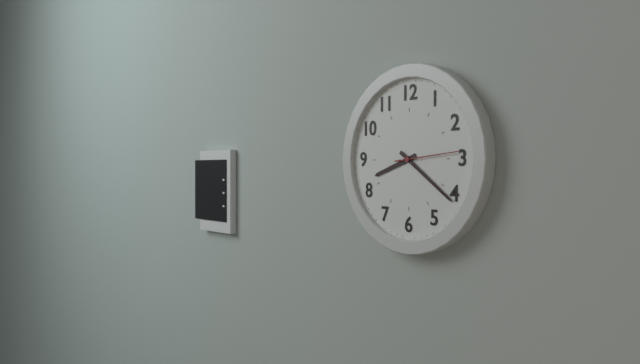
8:21:14
